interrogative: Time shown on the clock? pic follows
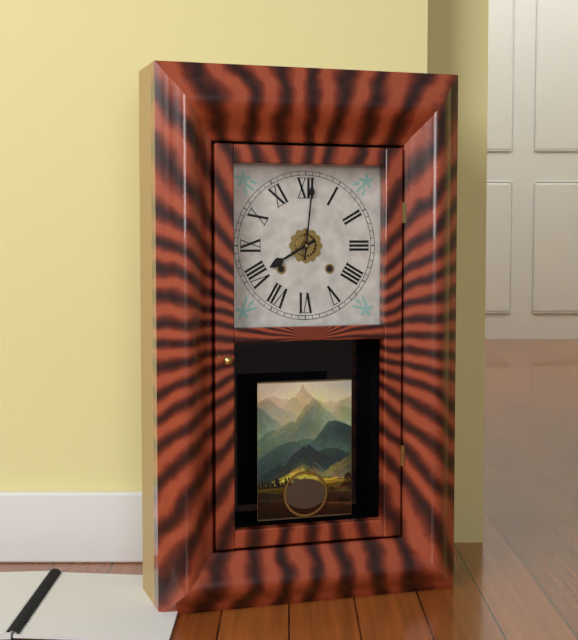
8:01
